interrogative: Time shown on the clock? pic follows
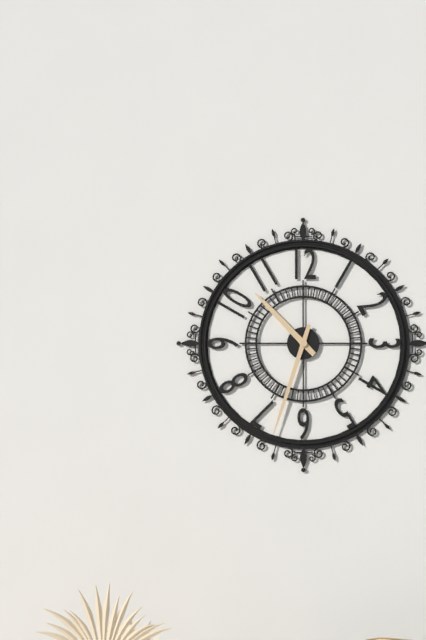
10:33
